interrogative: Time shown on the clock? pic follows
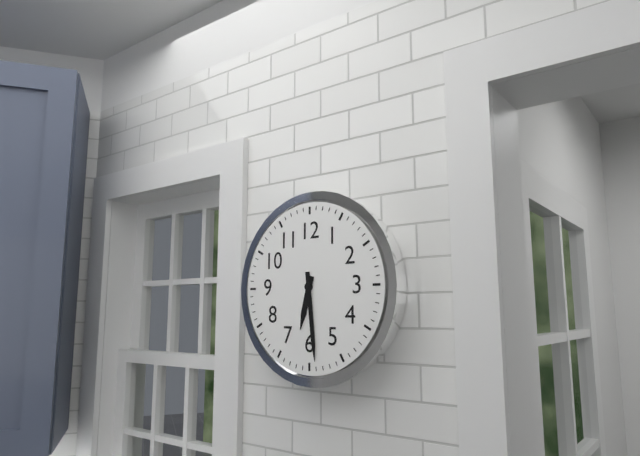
6:29
